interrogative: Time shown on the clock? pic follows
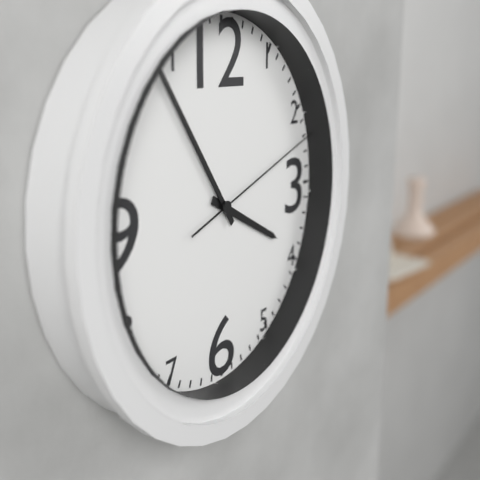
3:54:12
